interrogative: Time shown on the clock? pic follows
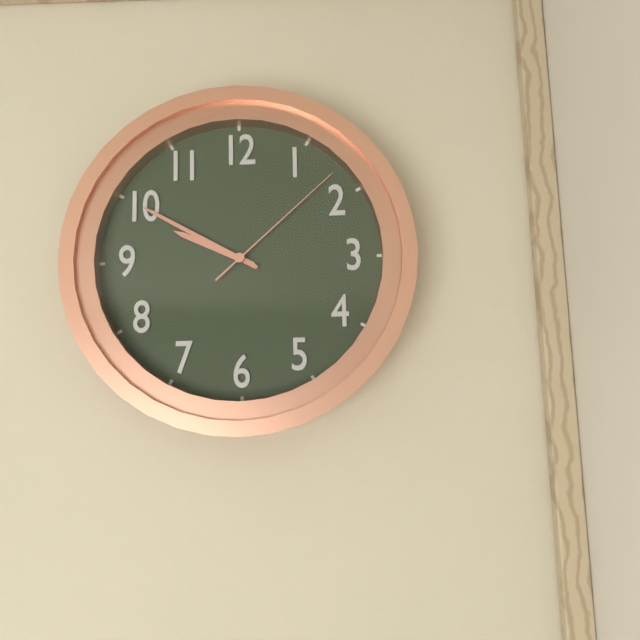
9:50:08
